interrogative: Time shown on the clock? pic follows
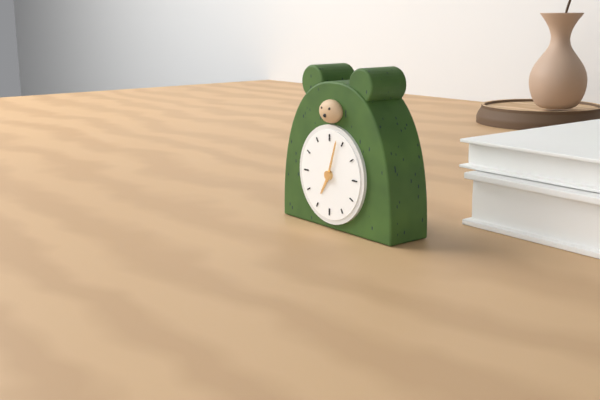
7:03
